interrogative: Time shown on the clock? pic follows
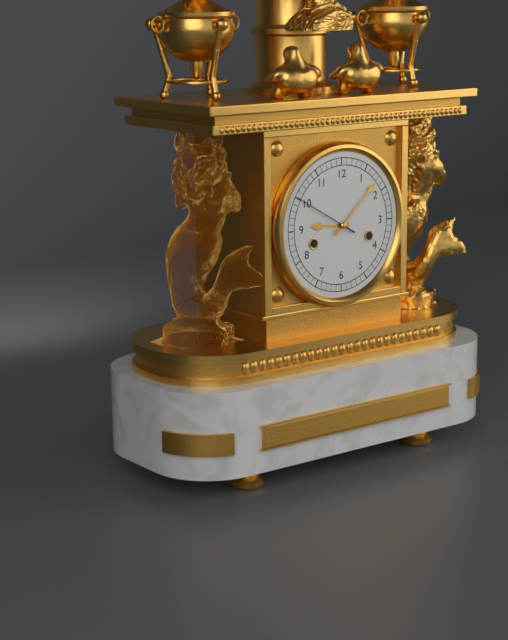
9:08:50
